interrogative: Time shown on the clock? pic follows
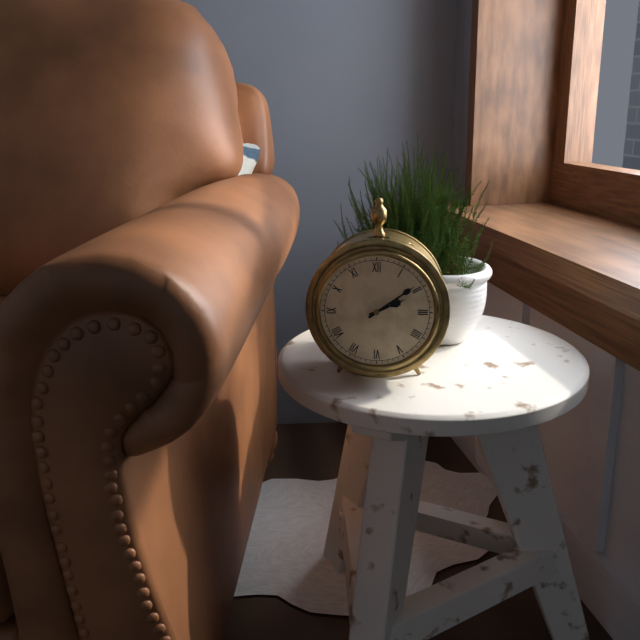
2:09
